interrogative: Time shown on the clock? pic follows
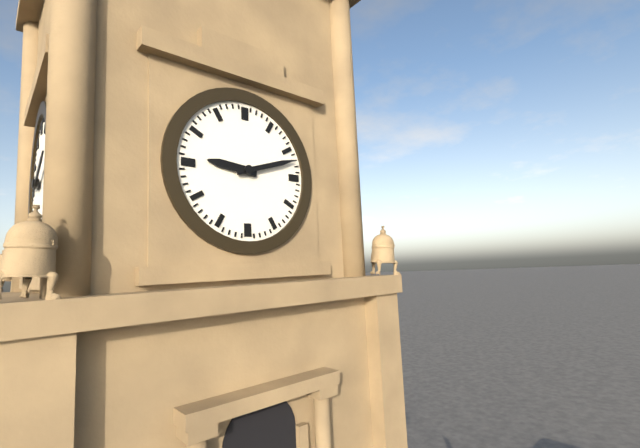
9:12
